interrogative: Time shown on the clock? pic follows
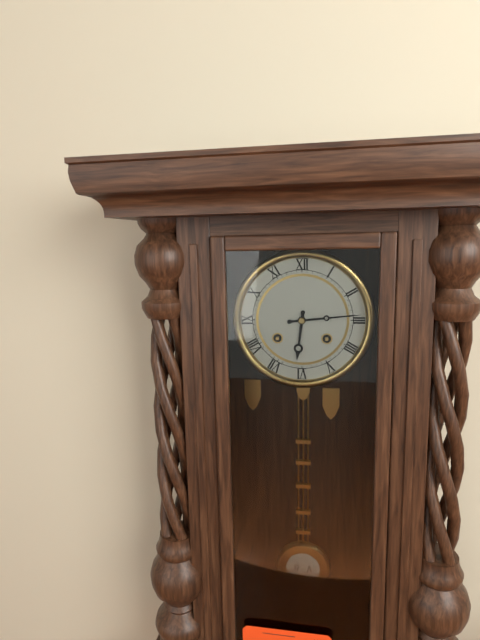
6:14
